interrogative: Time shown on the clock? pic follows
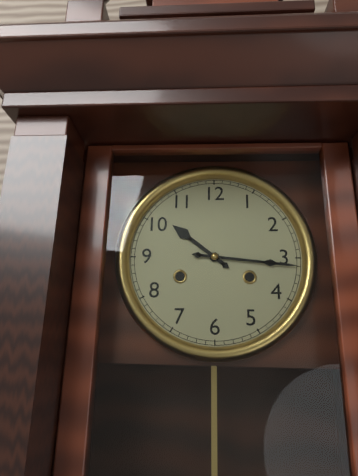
10:16
